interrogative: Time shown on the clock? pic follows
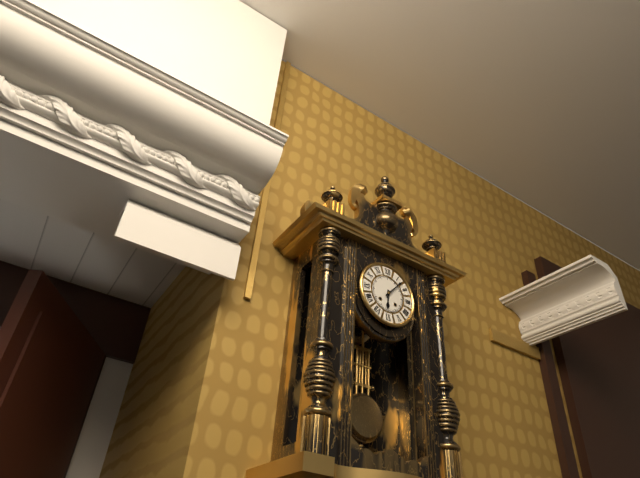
6:07
